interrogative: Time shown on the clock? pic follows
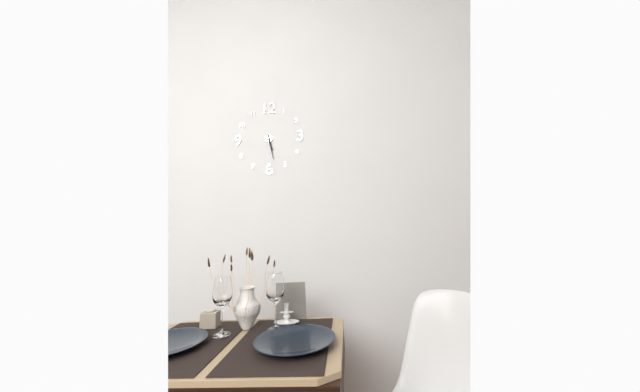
5:28
